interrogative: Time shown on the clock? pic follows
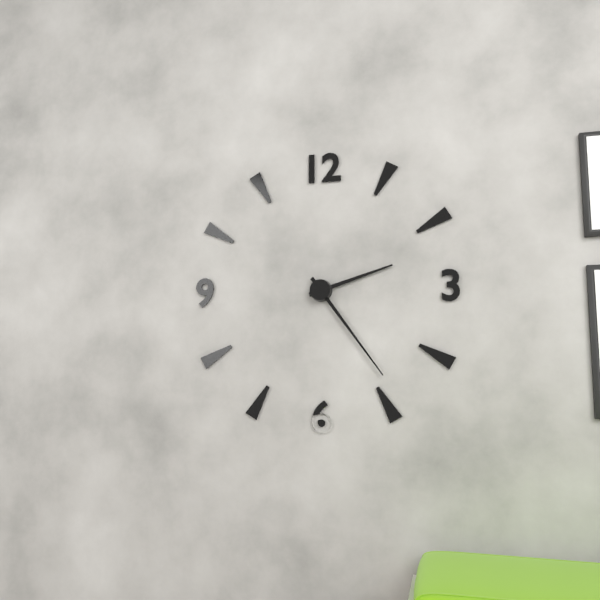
2:24
